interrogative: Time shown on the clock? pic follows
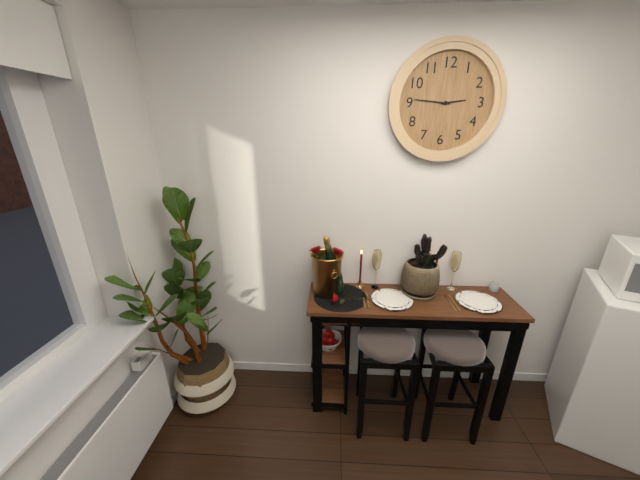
2:46
